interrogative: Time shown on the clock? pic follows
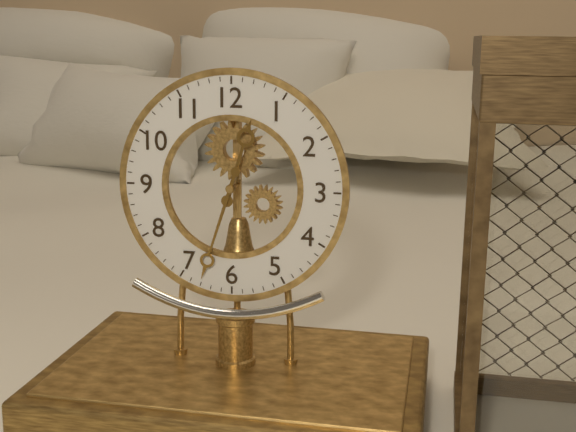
12:33
